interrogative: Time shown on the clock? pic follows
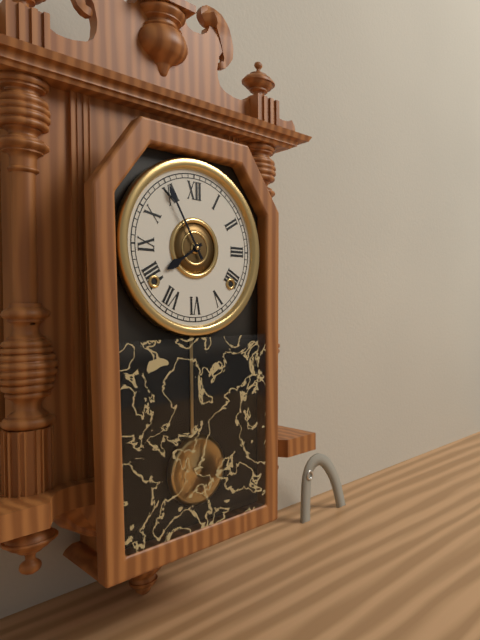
7:55
